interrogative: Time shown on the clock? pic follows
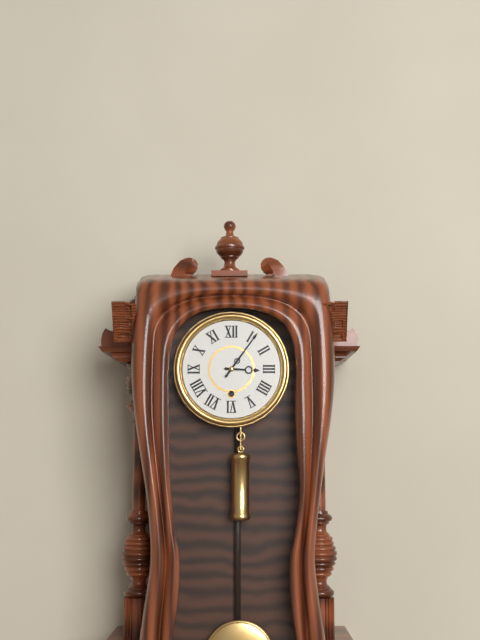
3:06
